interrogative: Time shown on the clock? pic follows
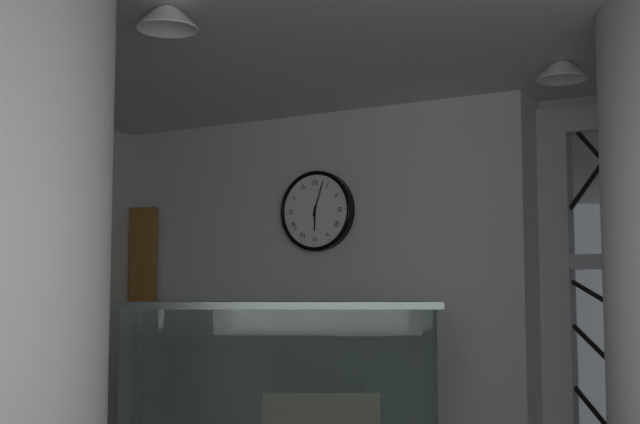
6:03
